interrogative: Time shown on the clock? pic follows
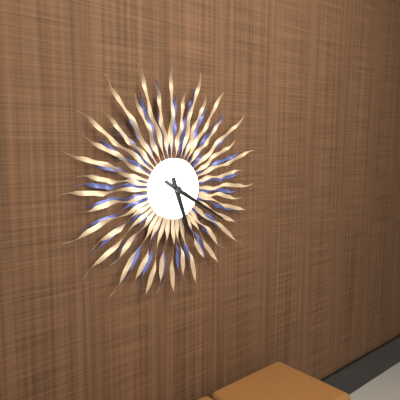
5:20
